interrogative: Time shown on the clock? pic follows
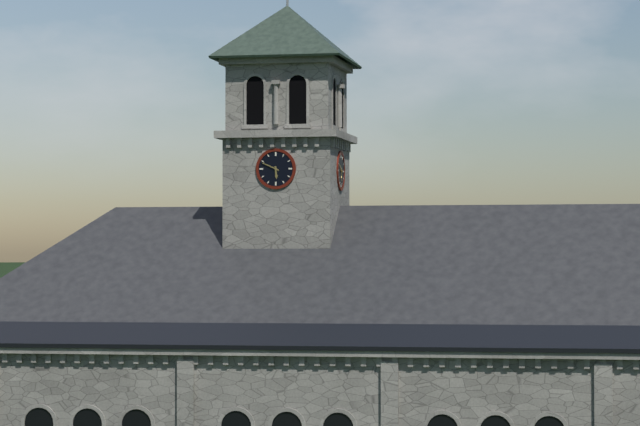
5:49
